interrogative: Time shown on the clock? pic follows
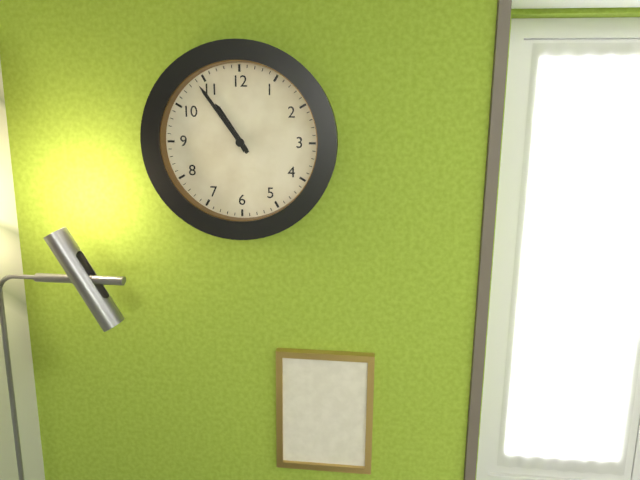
10:54
